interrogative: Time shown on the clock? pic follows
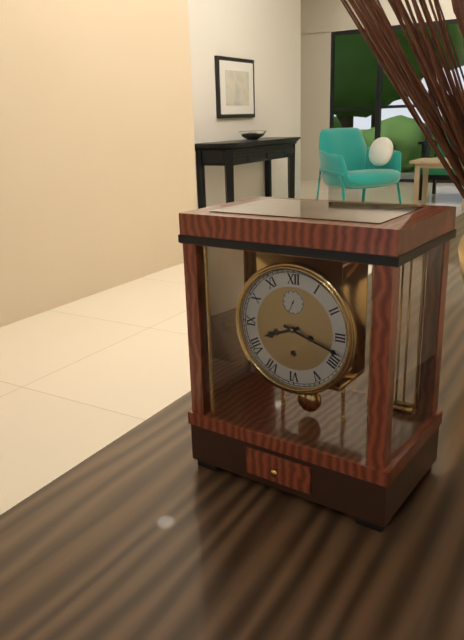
8:18
